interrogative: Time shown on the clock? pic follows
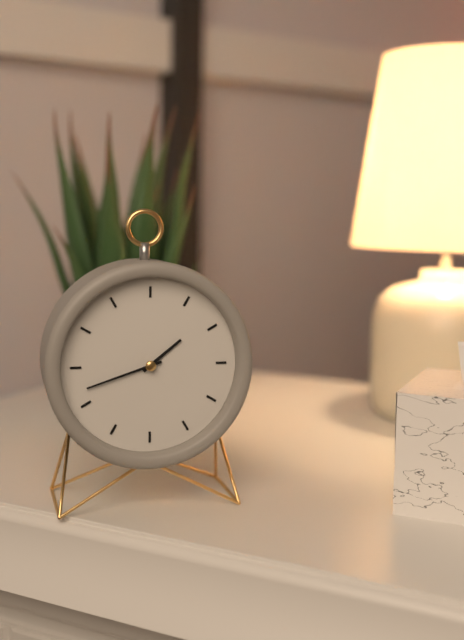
1:42
